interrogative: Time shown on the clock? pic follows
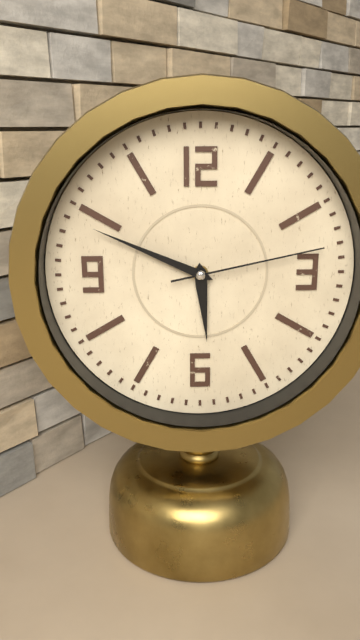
5:49:13
